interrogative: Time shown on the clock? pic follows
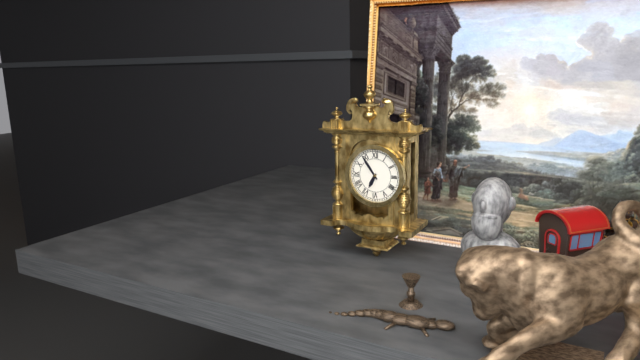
6:54
